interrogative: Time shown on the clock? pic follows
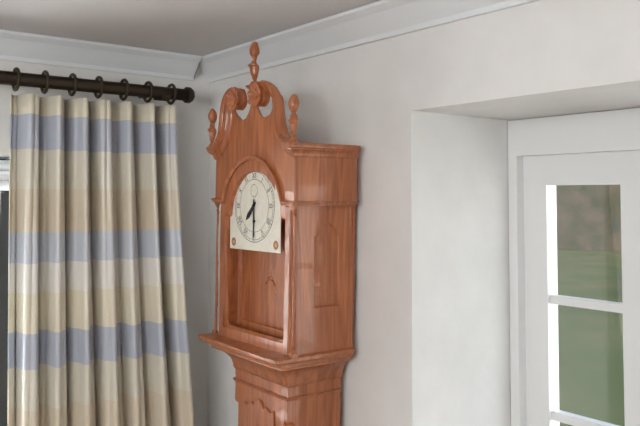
7:30
